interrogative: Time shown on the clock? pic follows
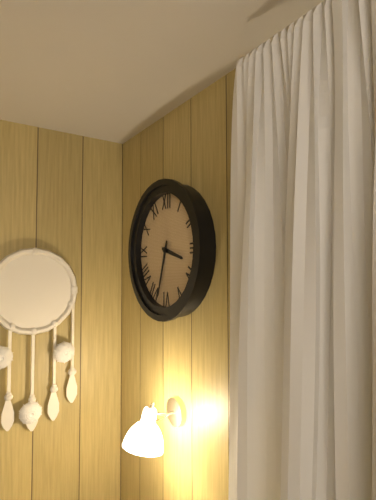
3:33
